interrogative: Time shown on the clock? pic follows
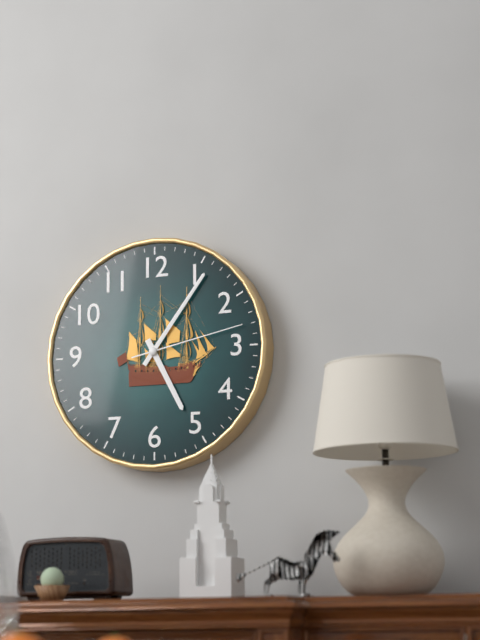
5:06:13
